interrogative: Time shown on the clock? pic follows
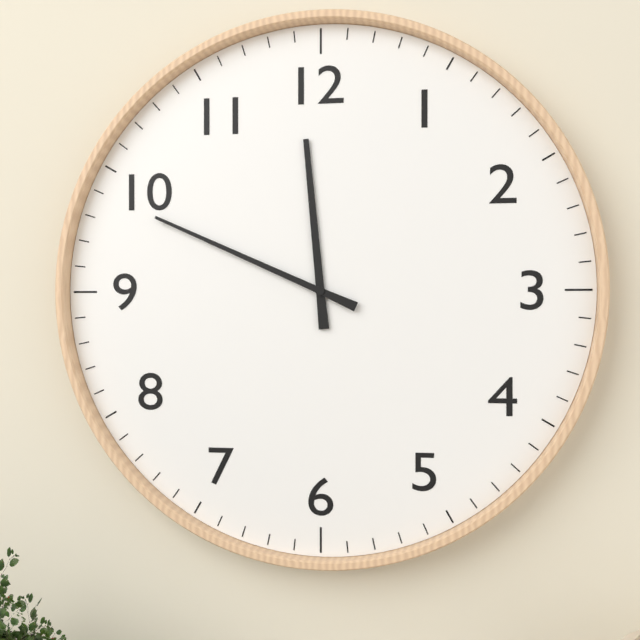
11:49
